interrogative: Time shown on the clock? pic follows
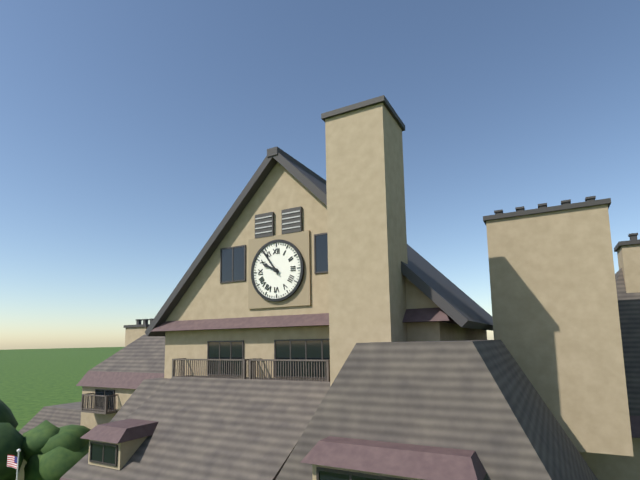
9:54
